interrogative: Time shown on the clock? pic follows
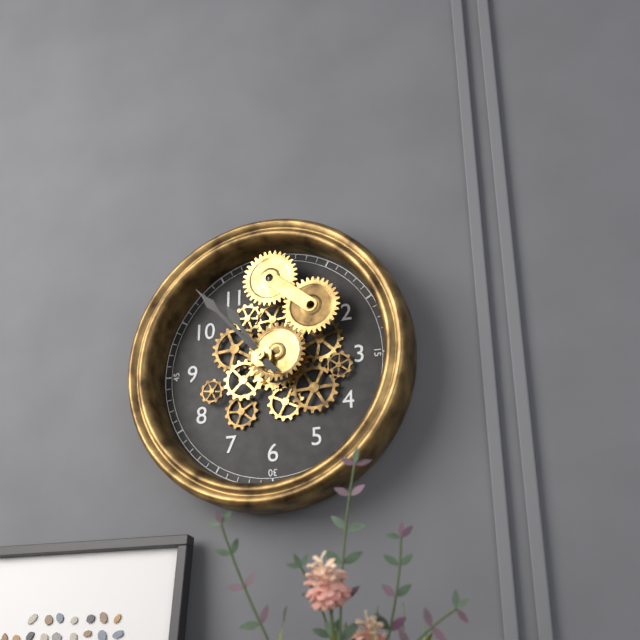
10:53
